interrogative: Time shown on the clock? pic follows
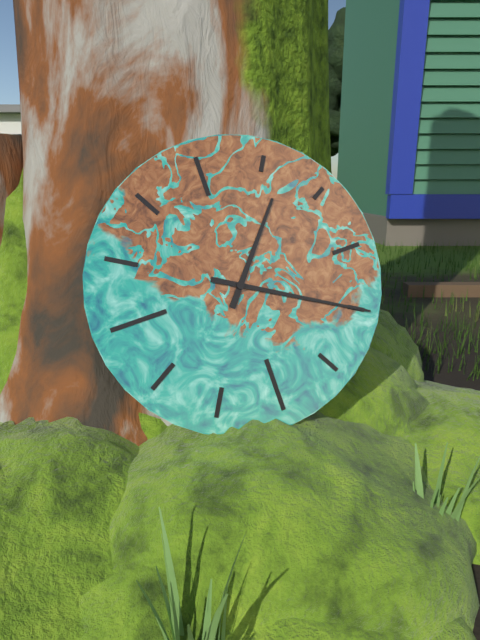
1:20
